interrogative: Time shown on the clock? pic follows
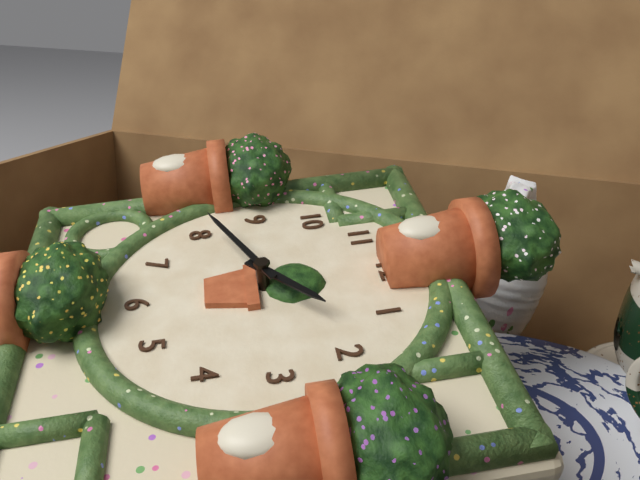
1:41
